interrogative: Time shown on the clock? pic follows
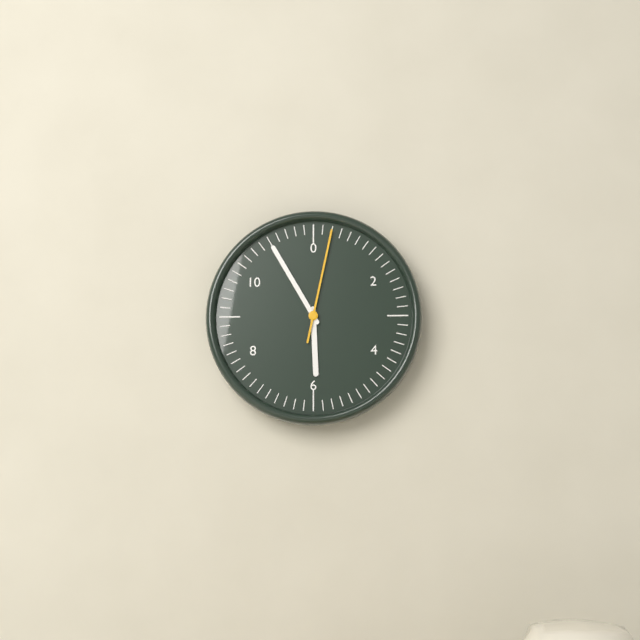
5:55:02
